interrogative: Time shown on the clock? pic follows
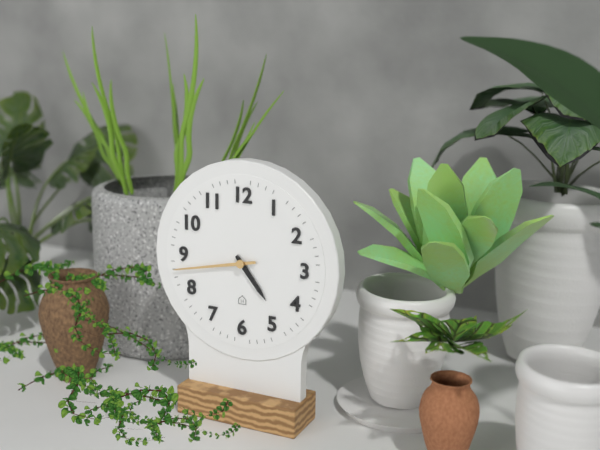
4:43
